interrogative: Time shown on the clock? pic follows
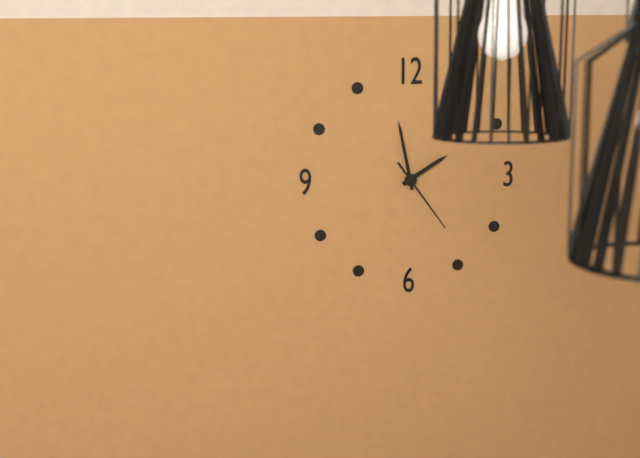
1:58:24
